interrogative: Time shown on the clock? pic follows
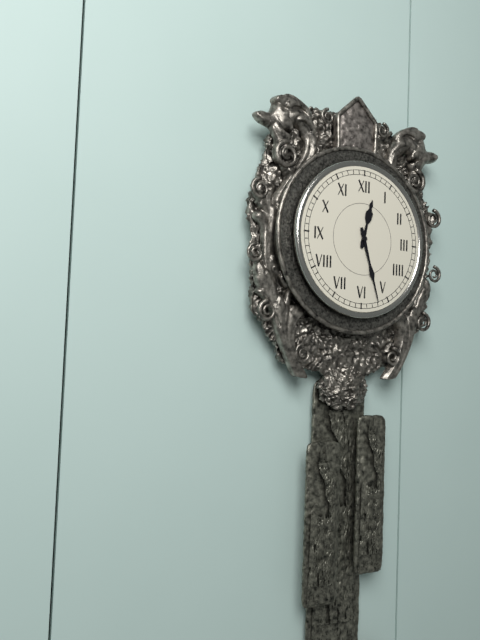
12:27
